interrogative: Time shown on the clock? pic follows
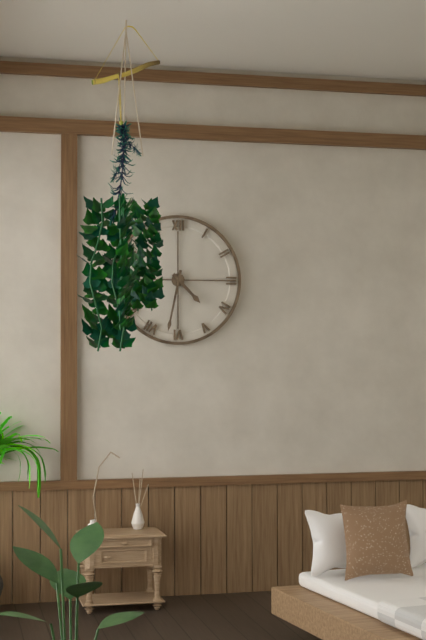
4:32
